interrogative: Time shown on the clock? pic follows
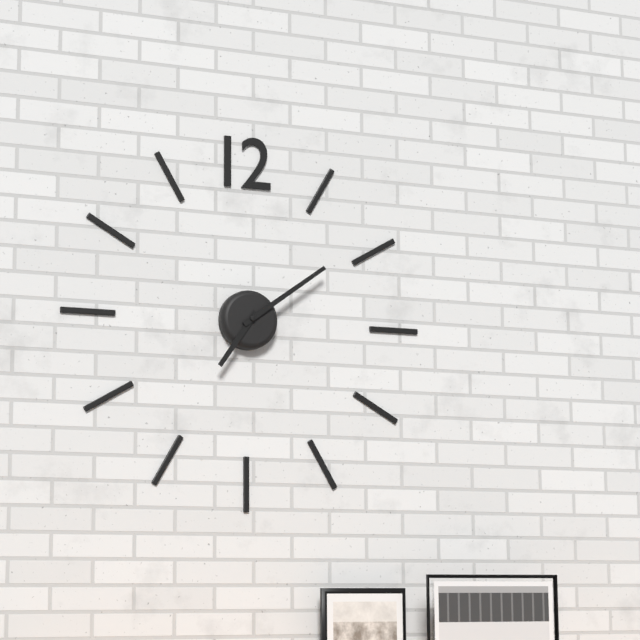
7:09
